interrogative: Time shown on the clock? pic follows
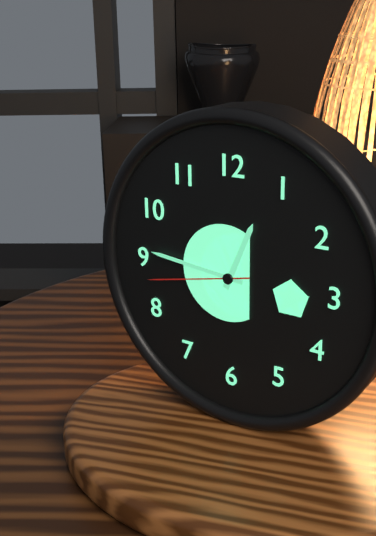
12:46:43
